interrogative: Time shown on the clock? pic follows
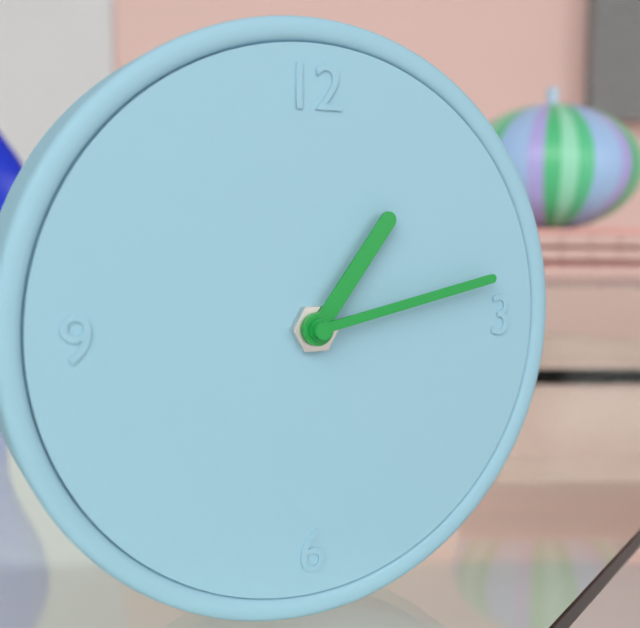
1:13
